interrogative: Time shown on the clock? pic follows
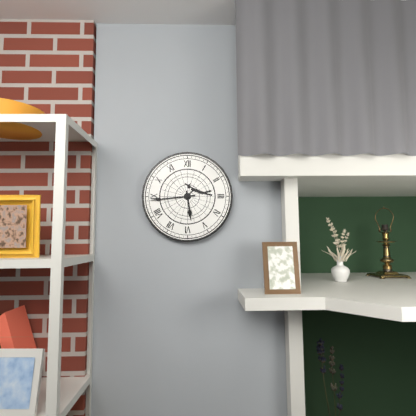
5:44
